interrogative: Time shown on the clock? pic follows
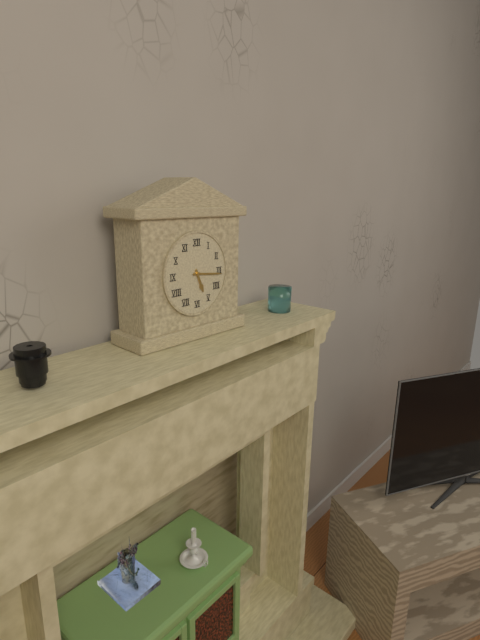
5:16
